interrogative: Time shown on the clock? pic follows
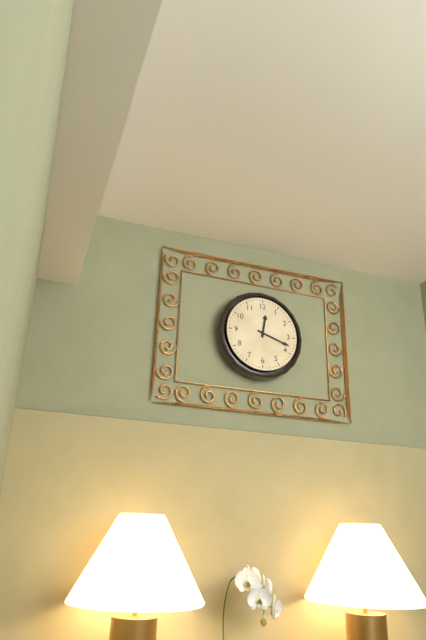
12:18
